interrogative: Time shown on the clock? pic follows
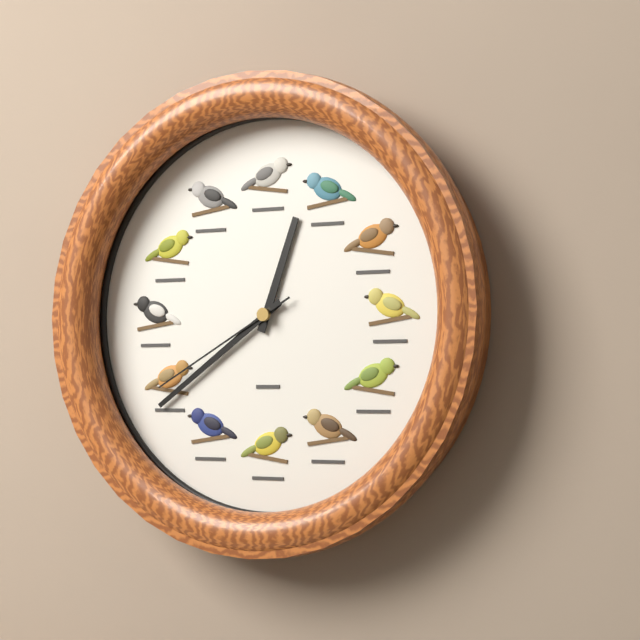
12:39:40
